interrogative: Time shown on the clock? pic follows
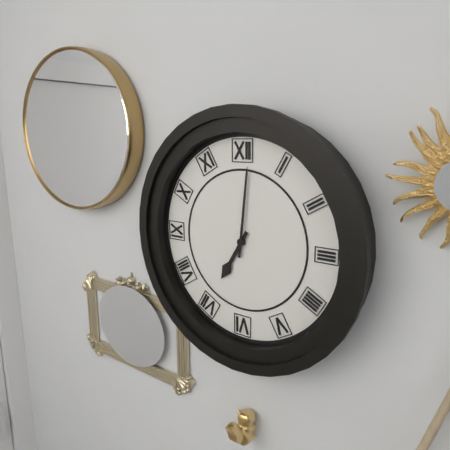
7:01
